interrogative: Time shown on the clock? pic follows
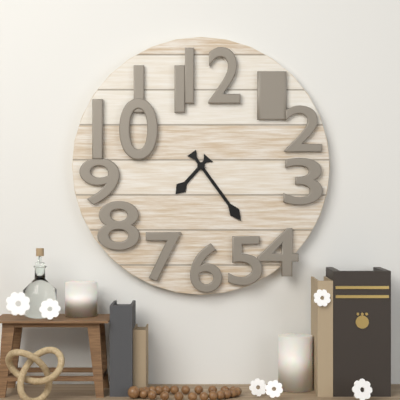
7:24
